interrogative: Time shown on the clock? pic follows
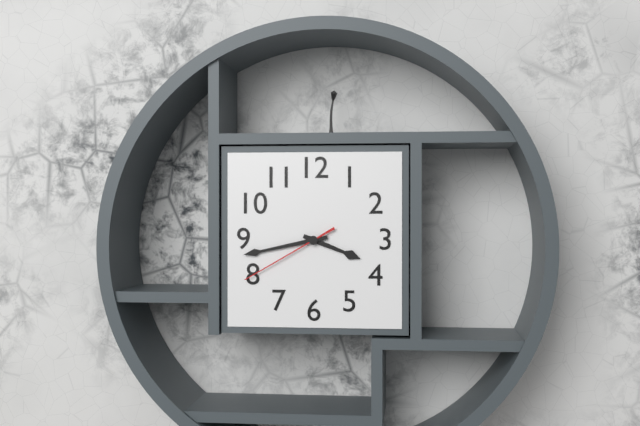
3:43:40
